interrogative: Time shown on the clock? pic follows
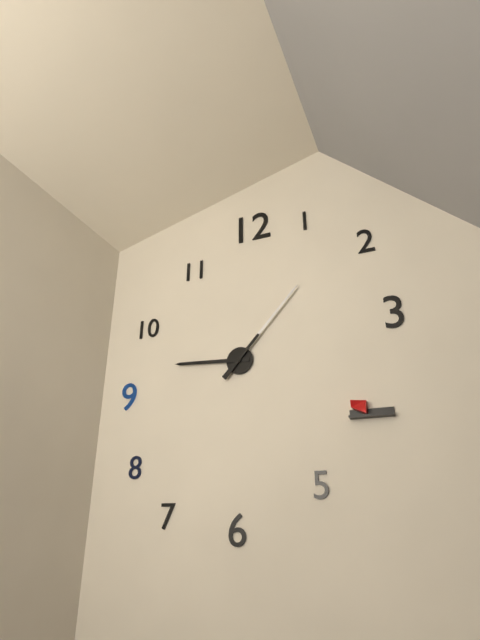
9:07
